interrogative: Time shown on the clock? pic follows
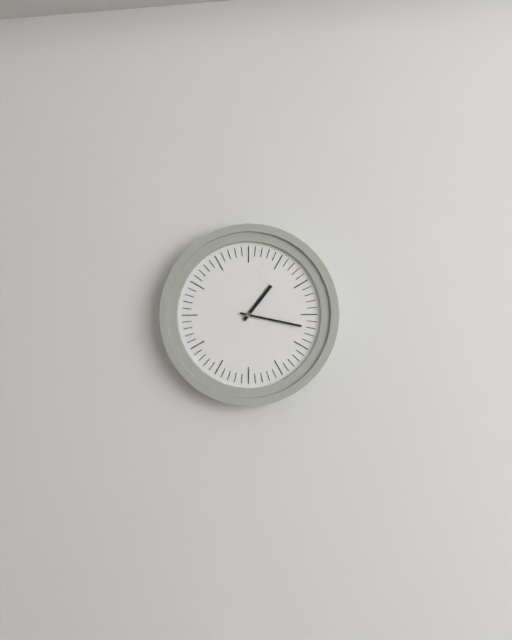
1:17
